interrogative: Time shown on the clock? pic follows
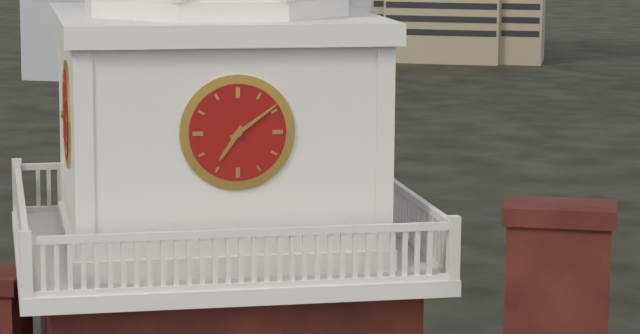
7:09
